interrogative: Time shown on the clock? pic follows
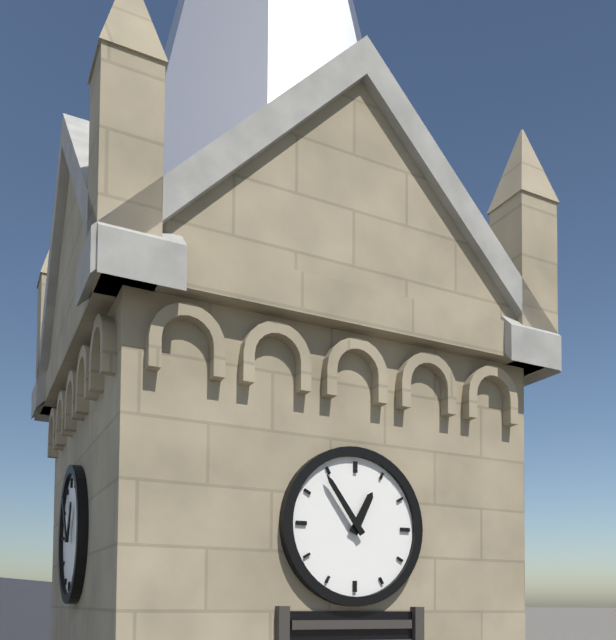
12:54
